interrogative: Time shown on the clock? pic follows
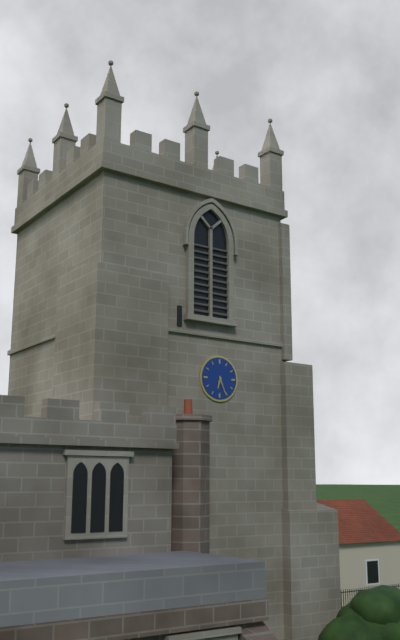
6:26
